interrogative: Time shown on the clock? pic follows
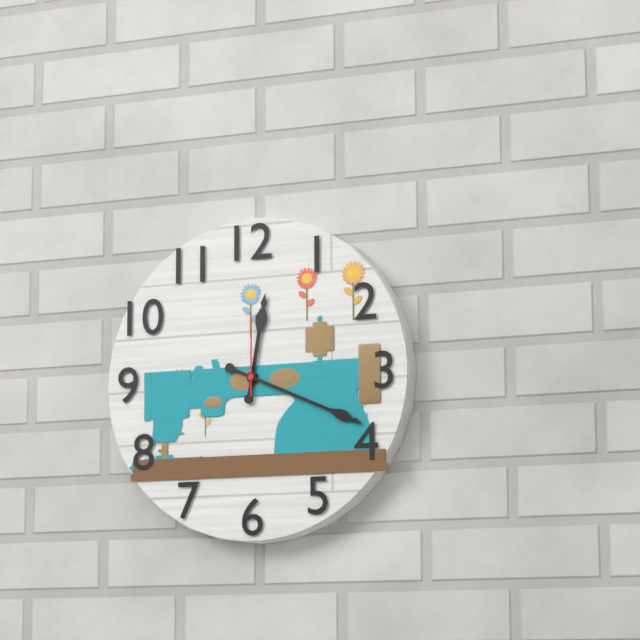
12:19:00
